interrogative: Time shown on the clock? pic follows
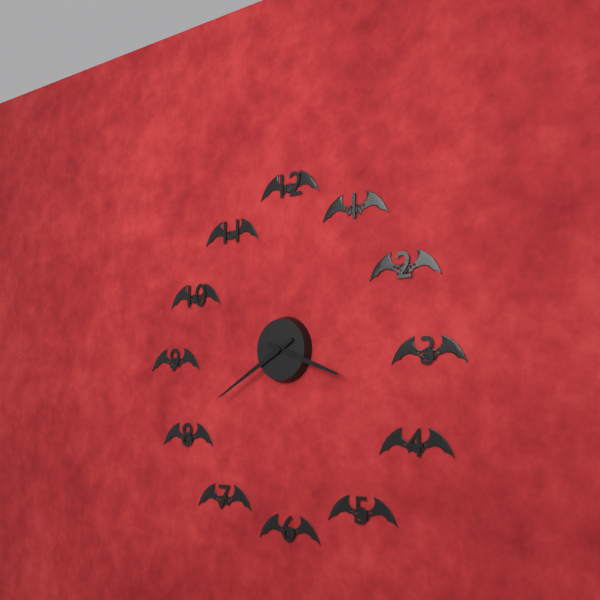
3:40
